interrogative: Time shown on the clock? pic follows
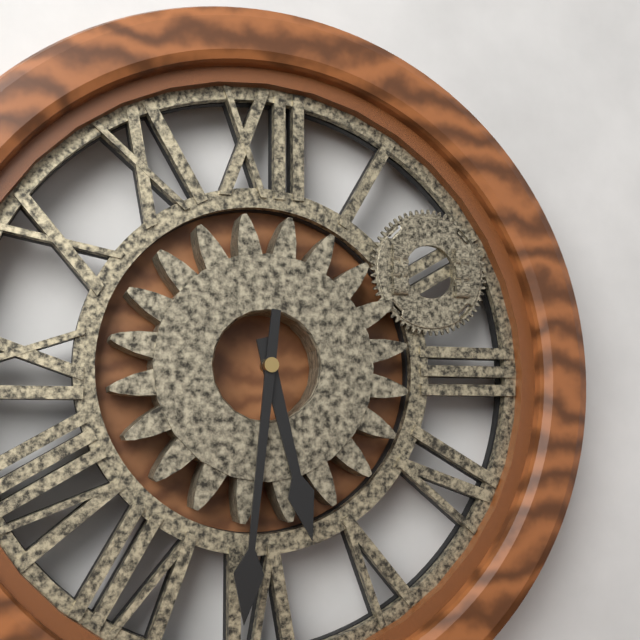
5:31
